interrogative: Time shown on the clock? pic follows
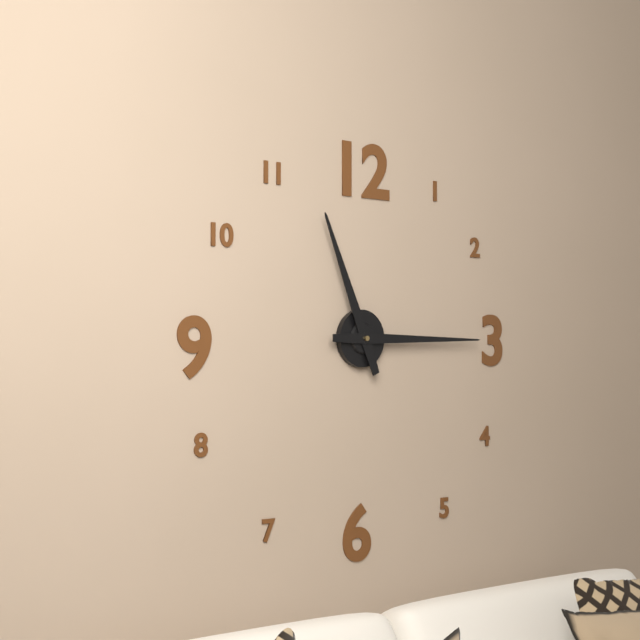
11:15
